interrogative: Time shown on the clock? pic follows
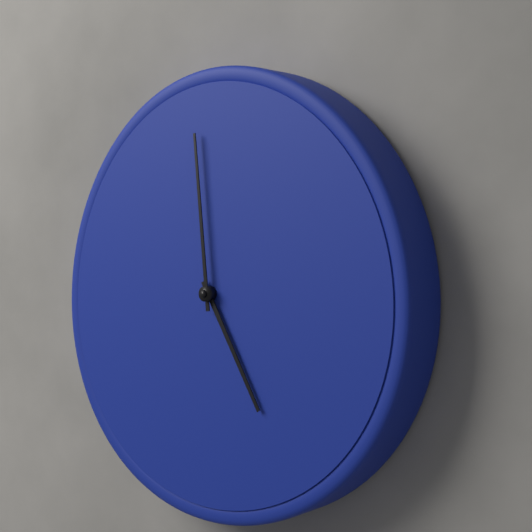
4:59
